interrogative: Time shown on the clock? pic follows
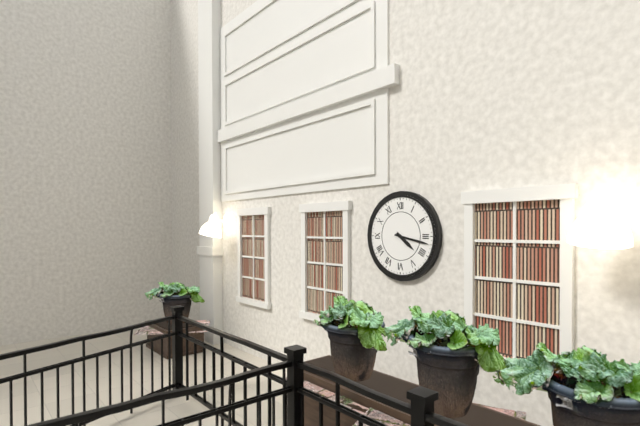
4:17
